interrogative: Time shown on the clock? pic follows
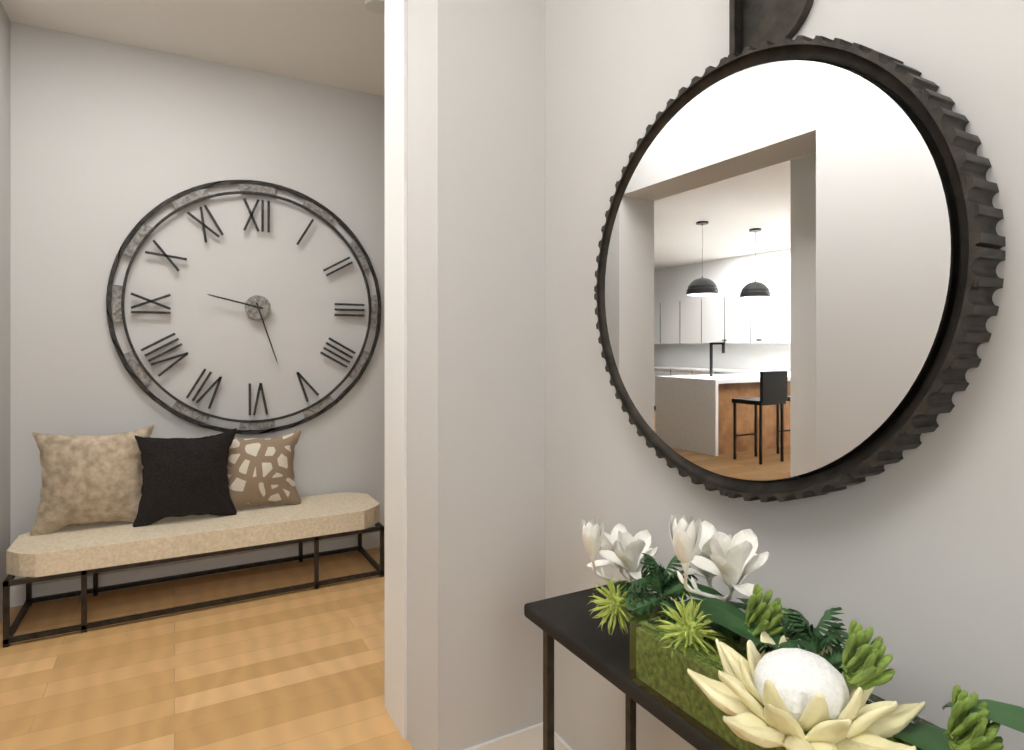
9:27
